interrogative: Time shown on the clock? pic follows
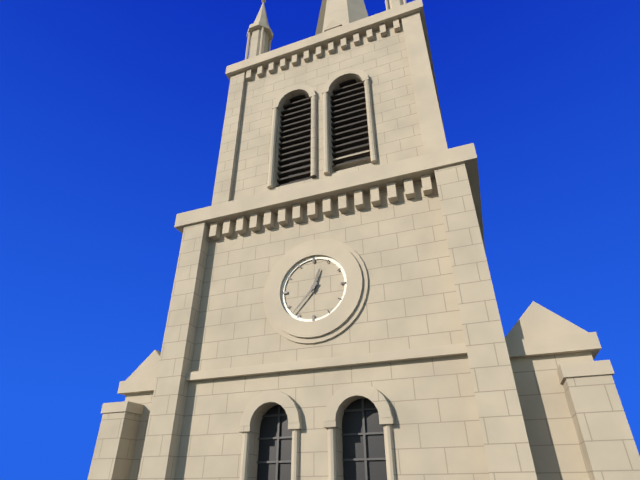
12:37
